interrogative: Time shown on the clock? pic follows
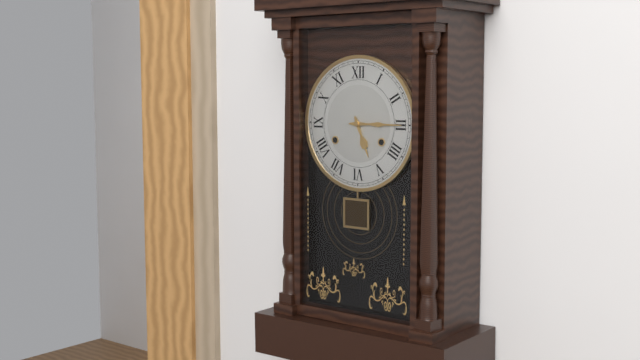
5:15
